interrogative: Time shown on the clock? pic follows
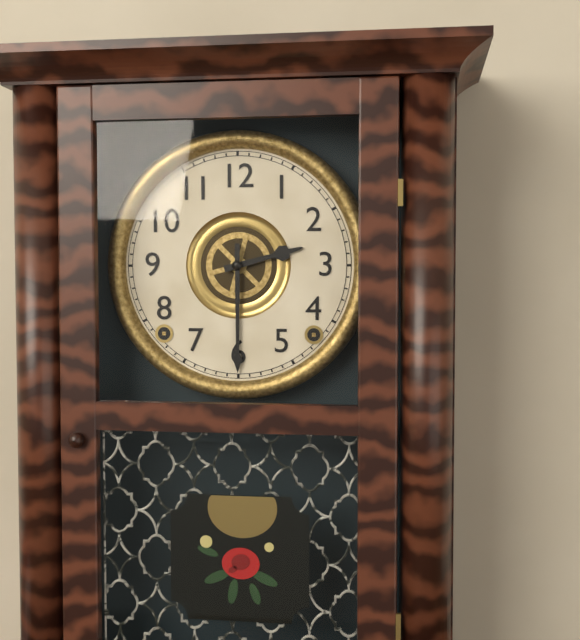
2:30
